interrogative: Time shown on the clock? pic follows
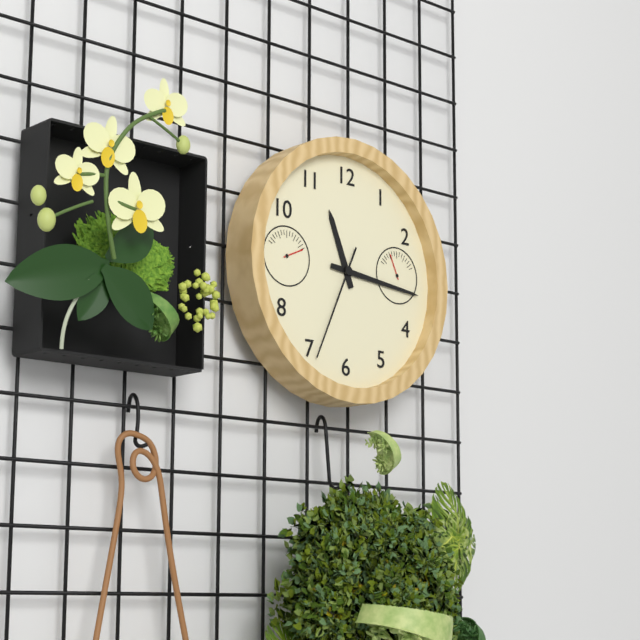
11:16:34
